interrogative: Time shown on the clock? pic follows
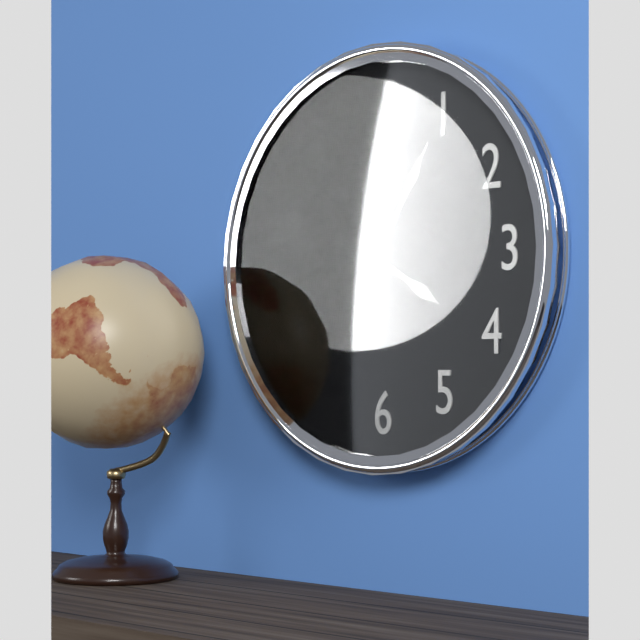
4:05
